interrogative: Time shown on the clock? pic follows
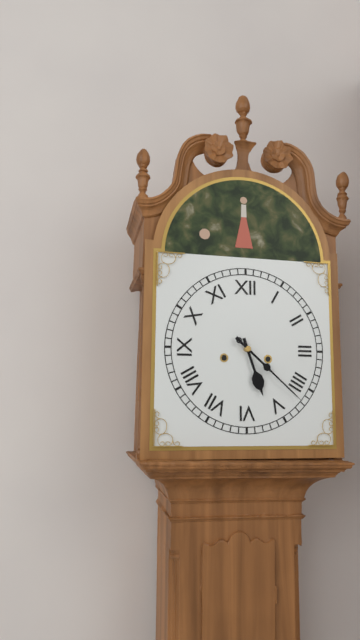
5:22
